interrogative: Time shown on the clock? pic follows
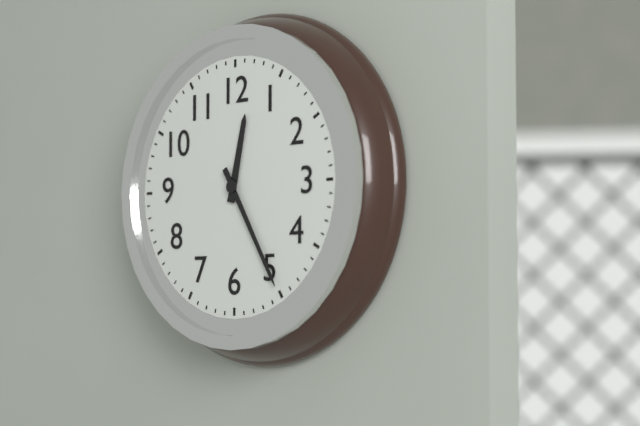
12:25
